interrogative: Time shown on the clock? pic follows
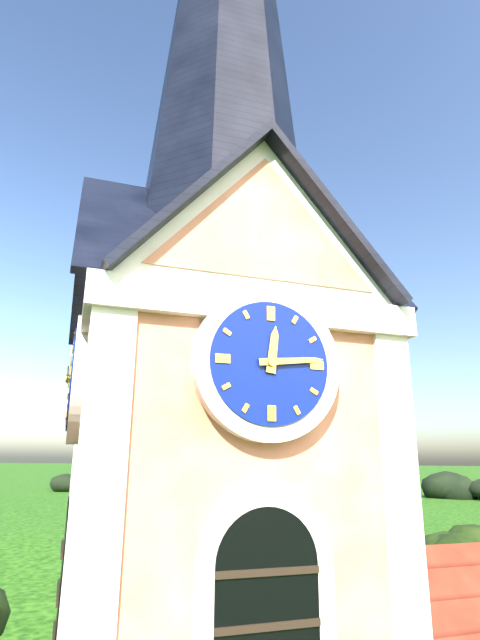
12:14
